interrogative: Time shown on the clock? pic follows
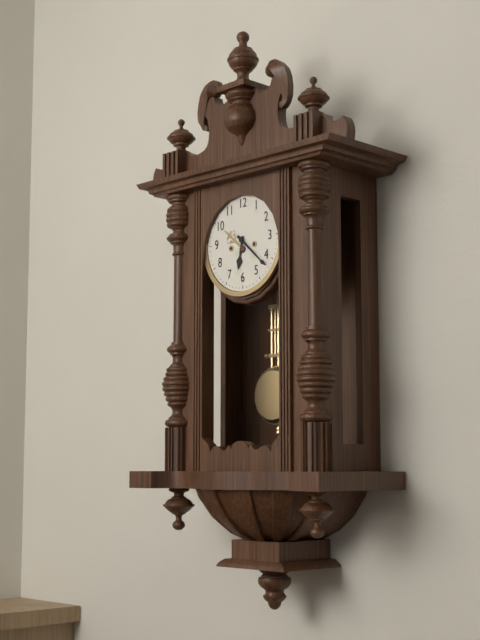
6:22
